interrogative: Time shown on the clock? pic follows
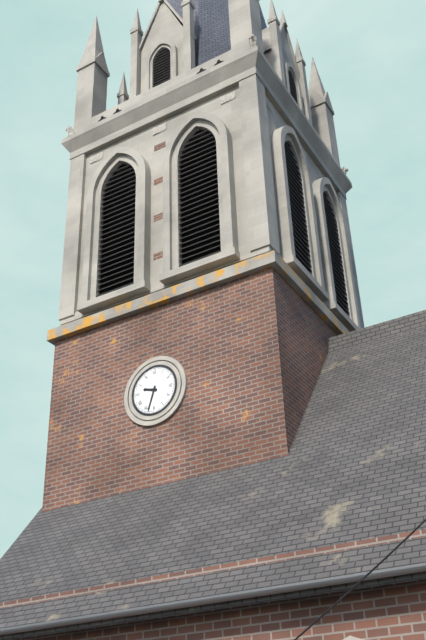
9:33
